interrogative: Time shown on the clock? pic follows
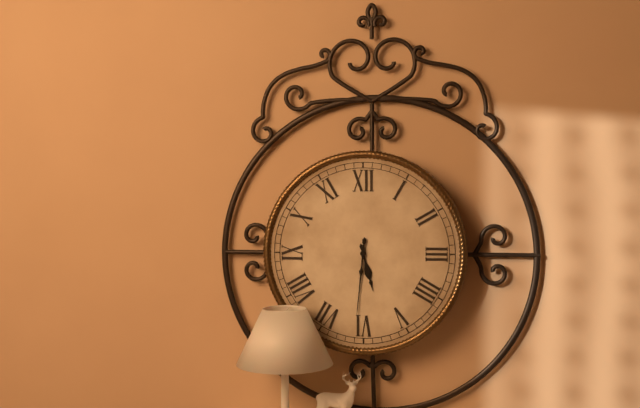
5:31
